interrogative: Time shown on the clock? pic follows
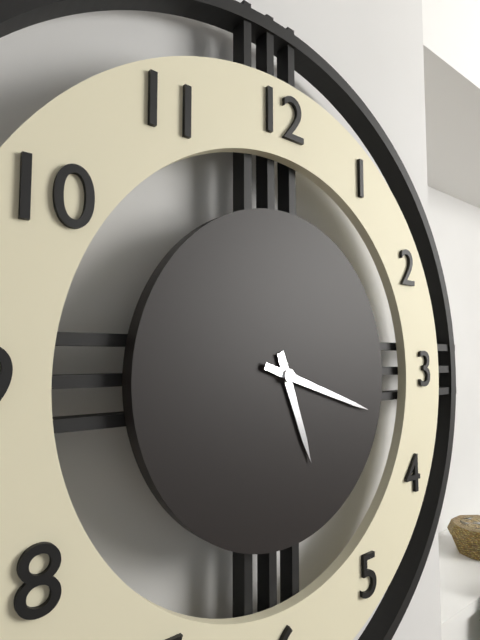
5:18
